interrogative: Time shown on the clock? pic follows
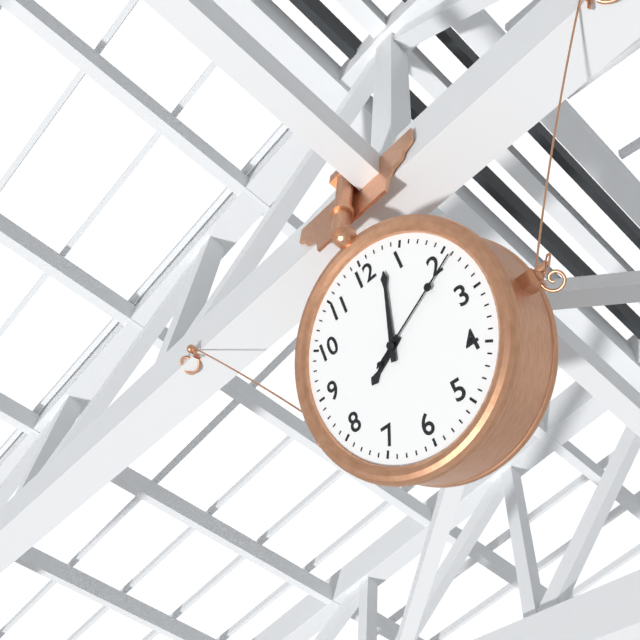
8:03:11
